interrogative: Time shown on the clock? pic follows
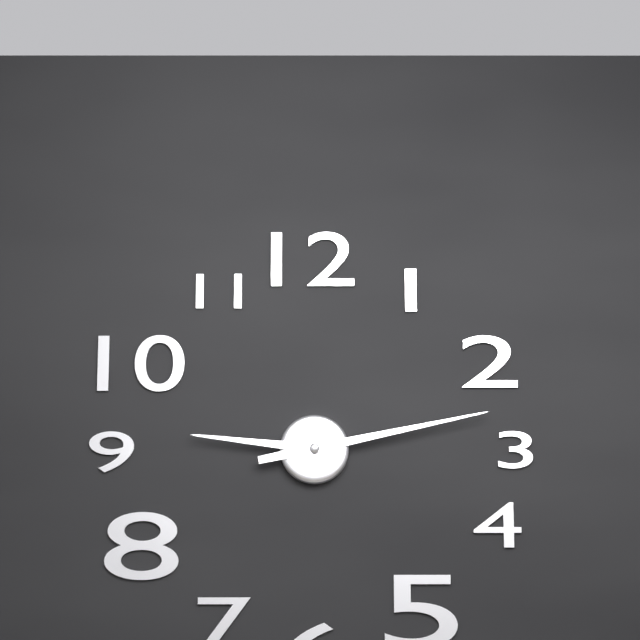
9:13
